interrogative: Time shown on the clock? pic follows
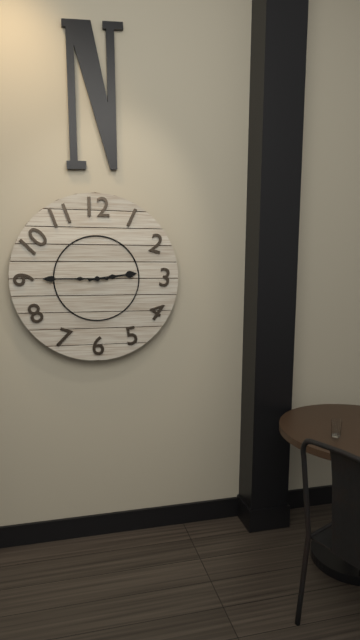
2:45
